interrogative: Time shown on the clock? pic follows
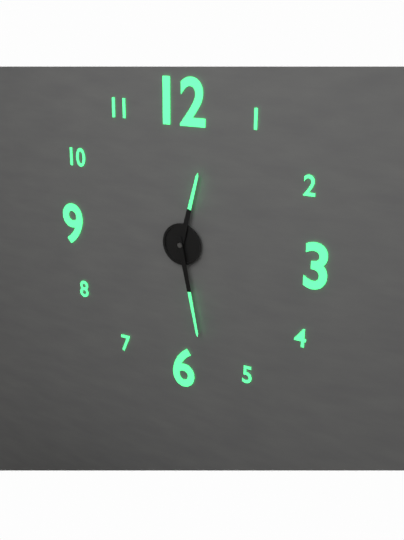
12:28
